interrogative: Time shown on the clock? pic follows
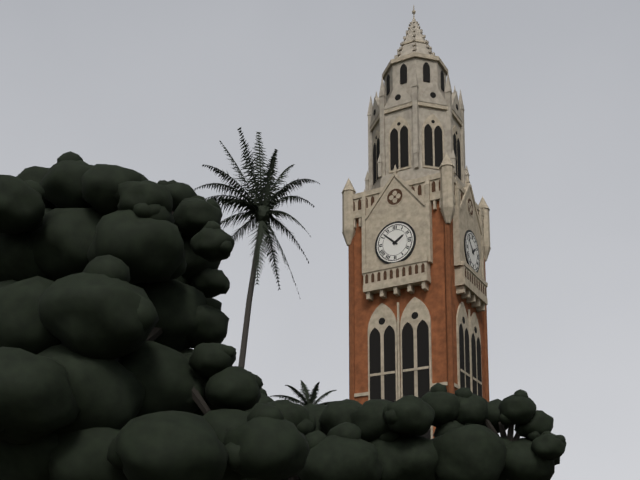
1:52
